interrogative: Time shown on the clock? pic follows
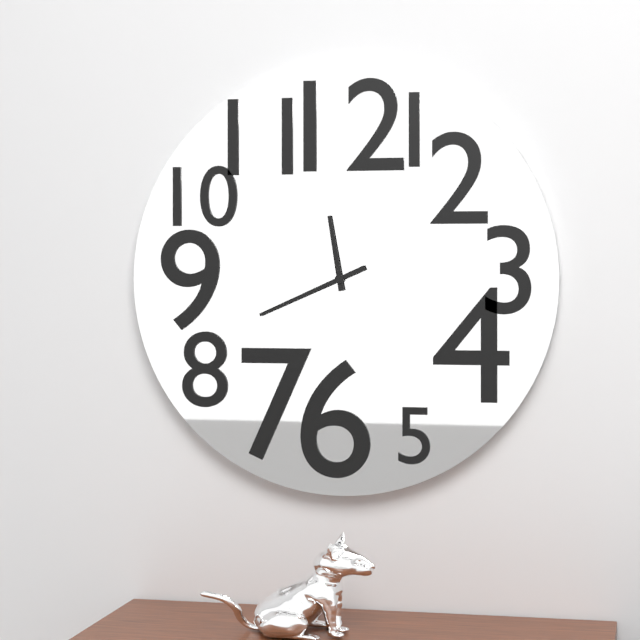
11:41
